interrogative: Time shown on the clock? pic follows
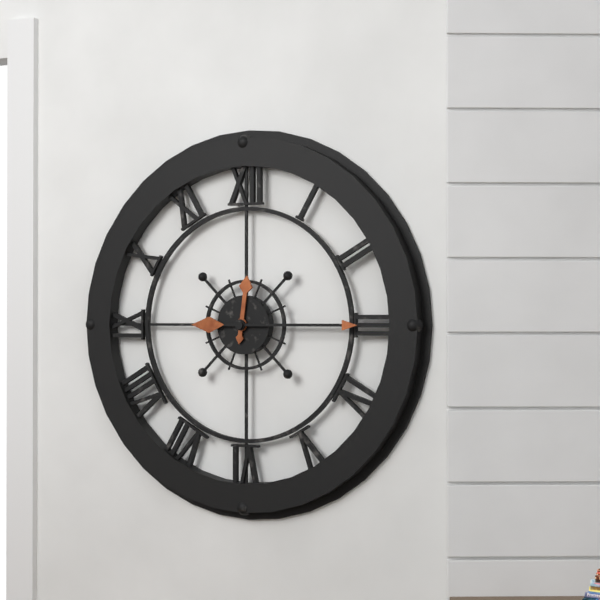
12:15
